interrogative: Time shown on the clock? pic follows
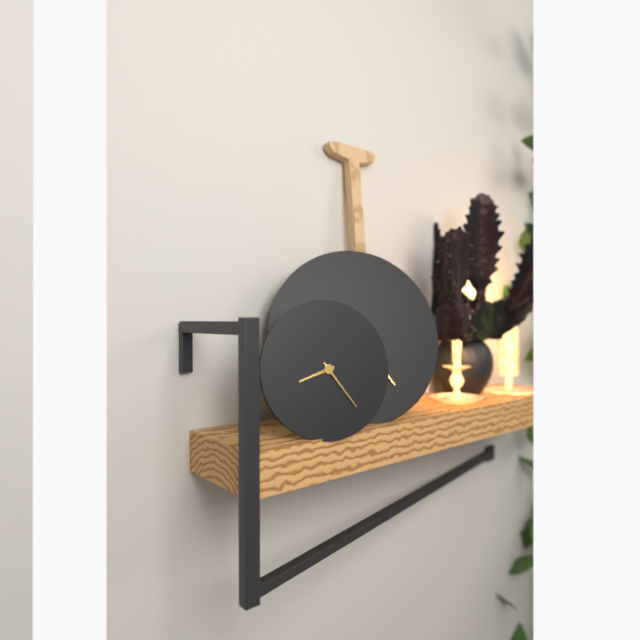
8:24
